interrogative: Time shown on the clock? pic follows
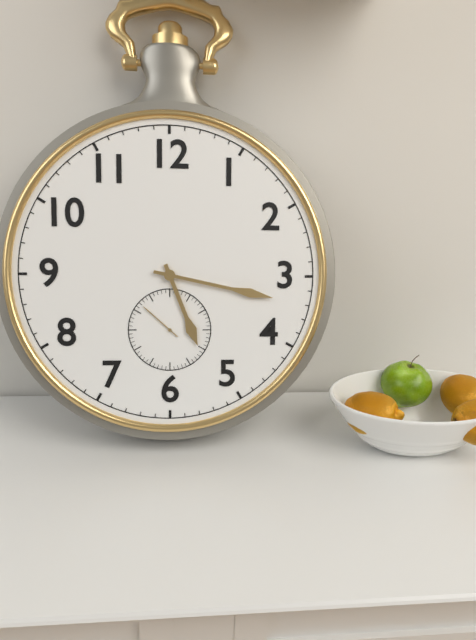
5:17
